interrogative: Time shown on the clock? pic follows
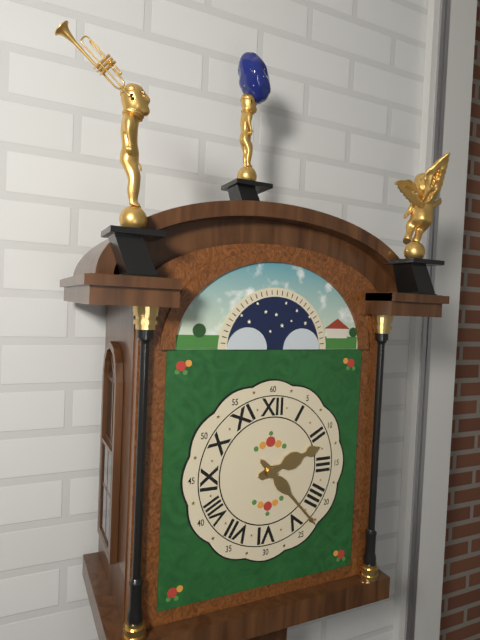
2:23
